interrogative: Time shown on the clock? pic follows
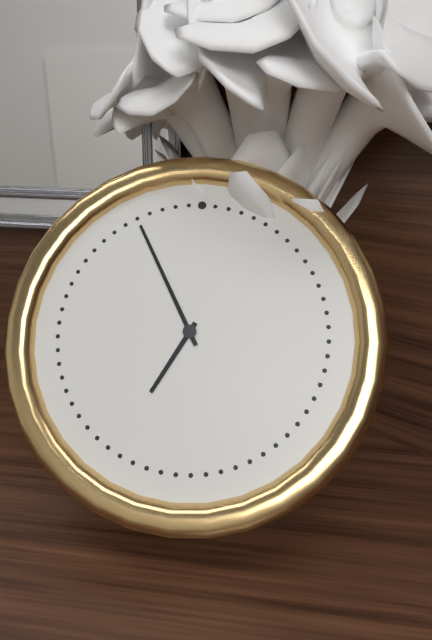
6:55
